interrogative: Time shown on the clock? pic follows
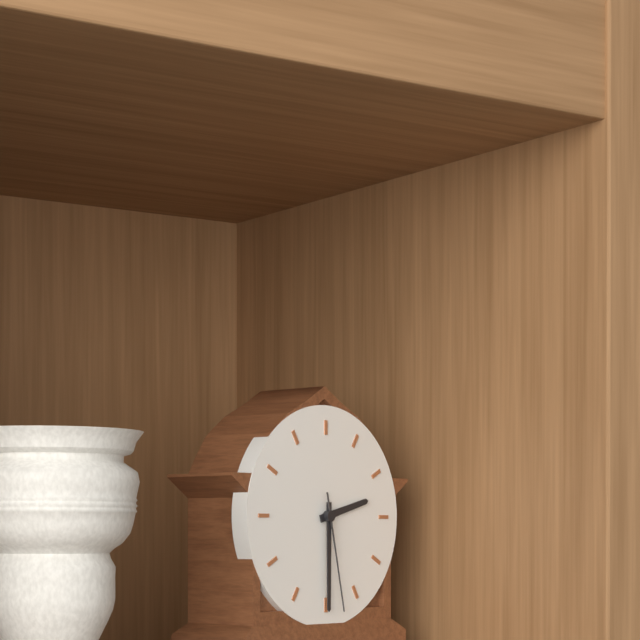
2:30:28
